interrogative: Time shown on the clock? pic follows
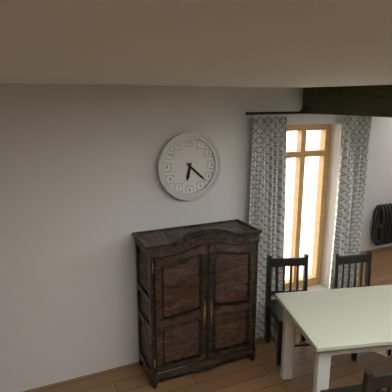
6:22
